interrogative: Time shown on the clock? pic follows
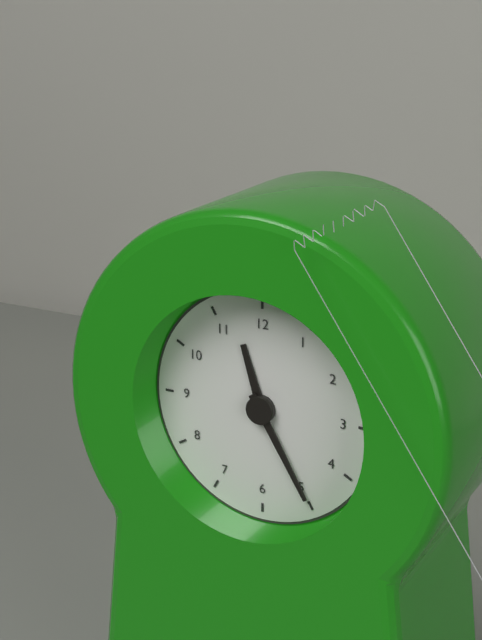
11:25
